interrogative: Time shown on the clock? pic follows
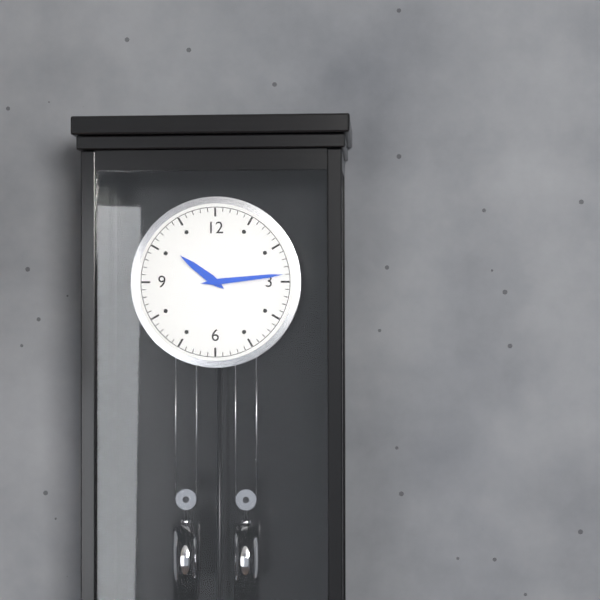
10:14
